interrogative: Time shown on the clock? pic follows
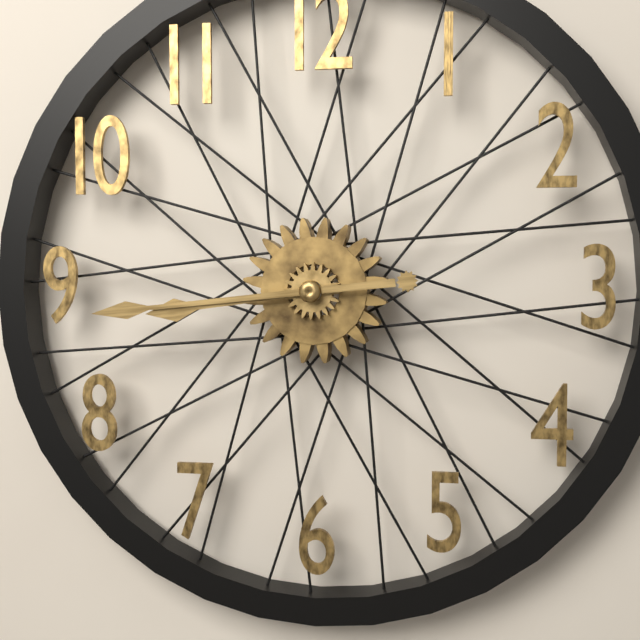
8:44
